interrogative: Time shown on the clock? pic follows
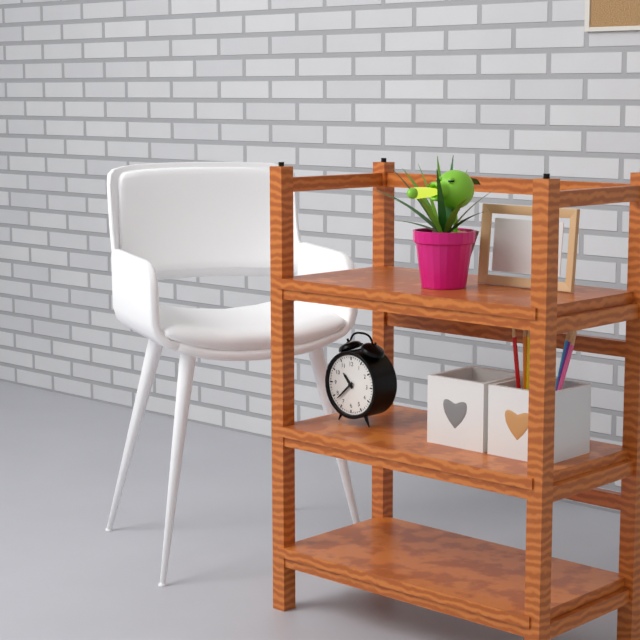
10:38
